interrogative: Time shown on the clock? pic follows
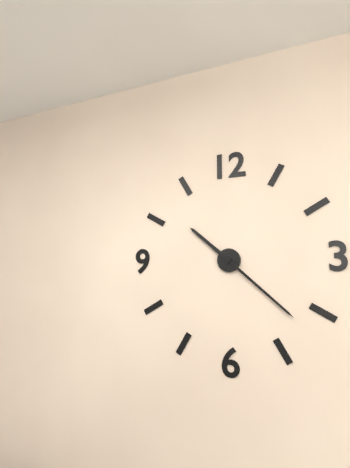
10:22
